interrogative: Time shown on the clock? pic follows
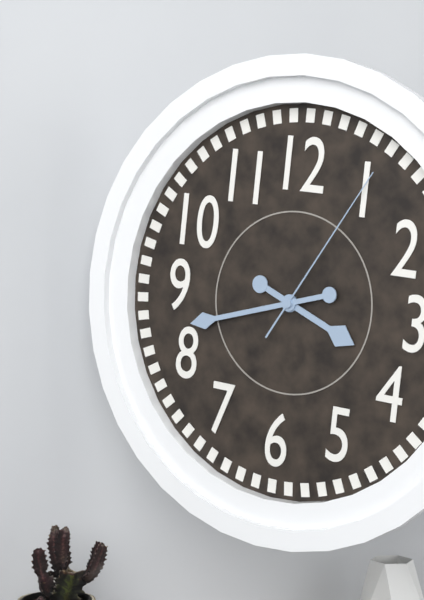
3:42:05
